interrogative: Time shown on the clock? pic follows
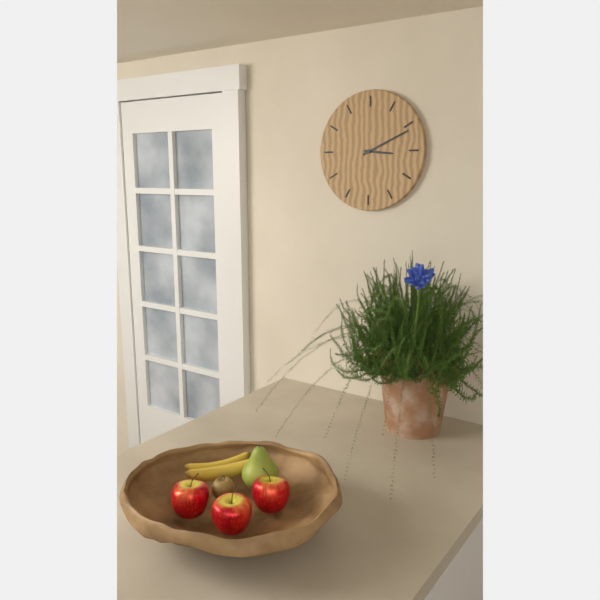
3:11
